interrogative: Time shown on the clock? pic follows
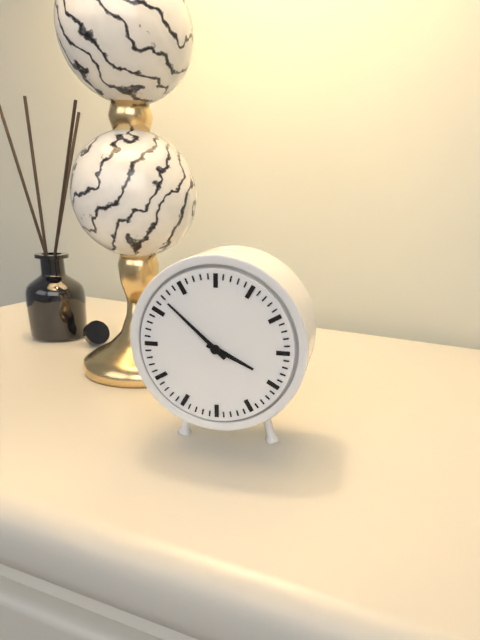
3:52
